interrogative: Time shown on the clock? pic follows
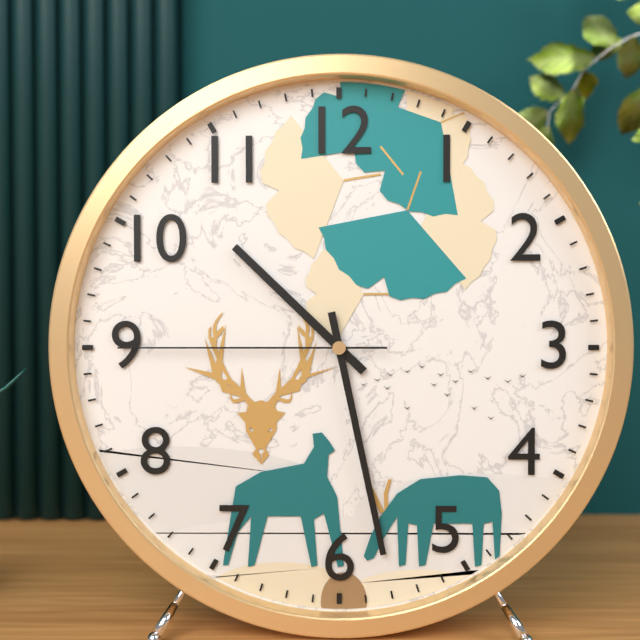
10:28:45
